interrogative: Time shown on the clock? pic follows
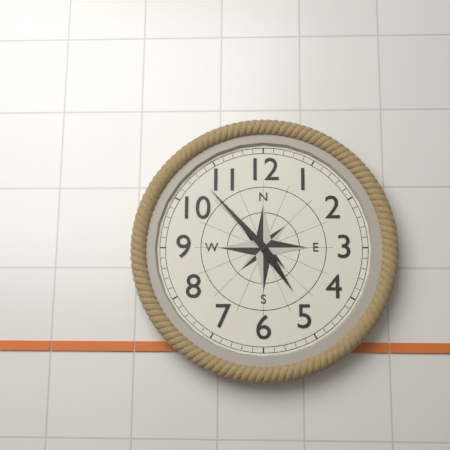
4:53
